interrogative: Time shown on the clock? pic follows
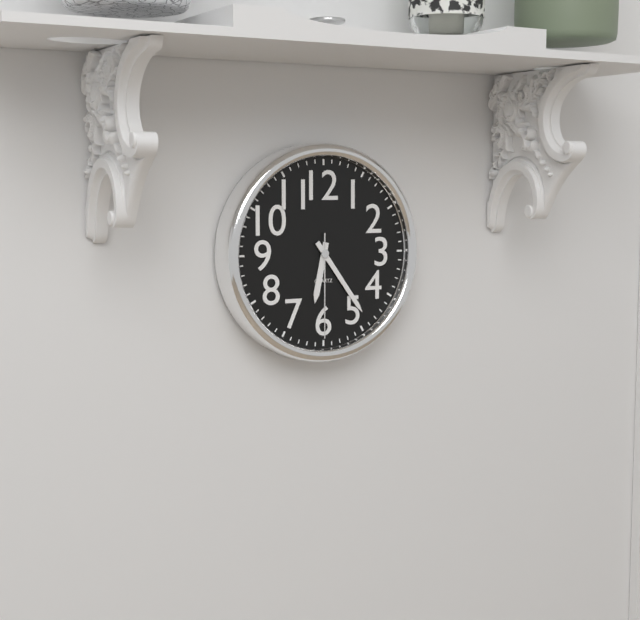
6:24:30
